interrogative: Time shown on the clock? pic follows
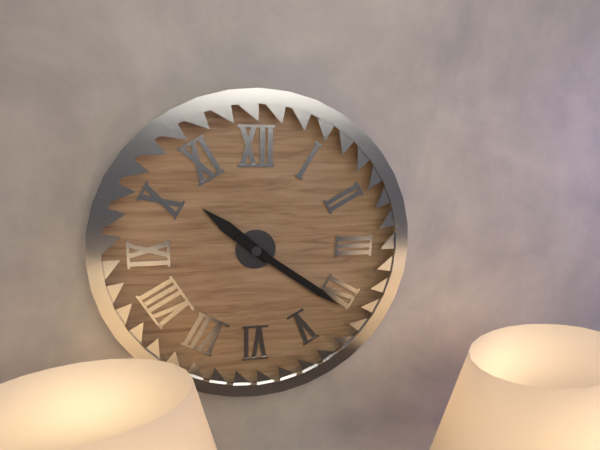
10:21
